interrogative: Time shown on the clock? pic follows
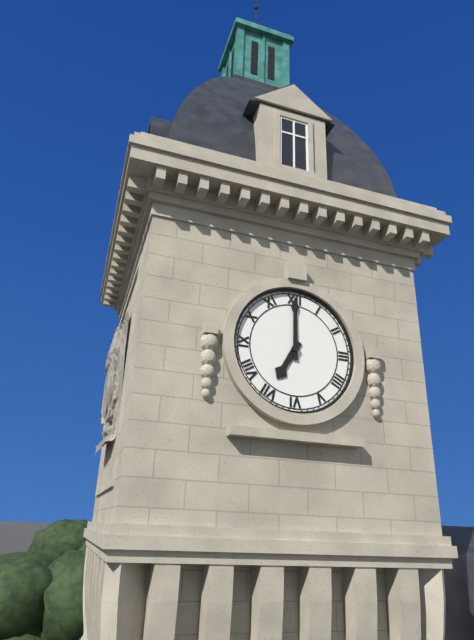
7:00
